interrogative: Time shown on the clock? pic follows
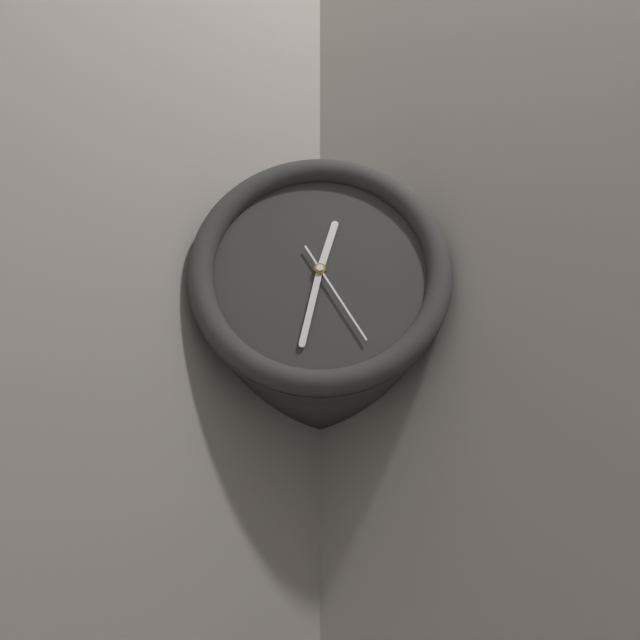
12:32:25
